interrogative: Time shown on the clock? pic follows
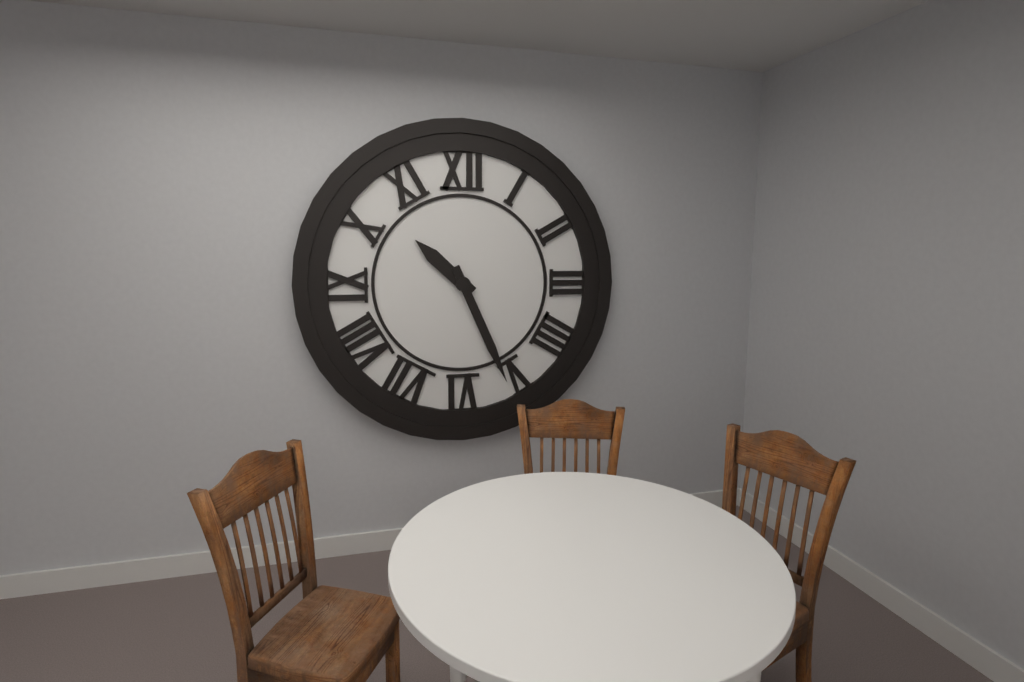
10:26
